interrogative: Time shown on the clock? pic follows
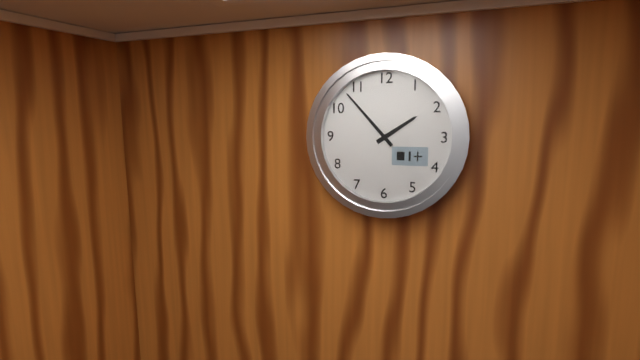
1:53
